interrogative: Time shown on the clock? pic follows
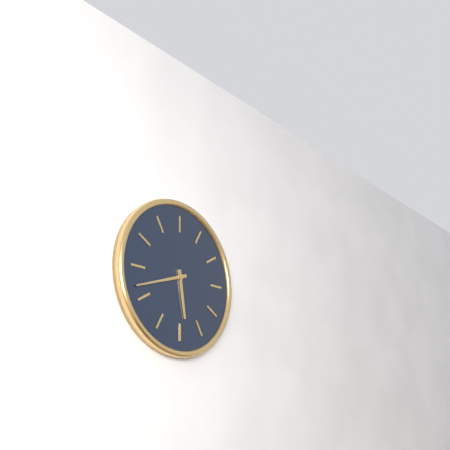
5:42
